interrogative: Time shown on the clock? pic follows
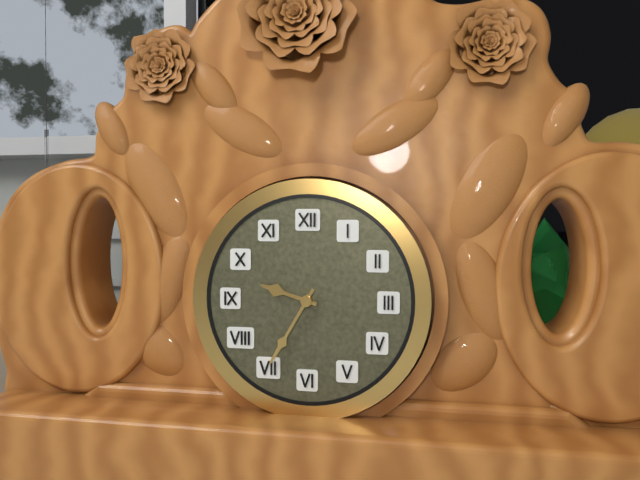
9:35
